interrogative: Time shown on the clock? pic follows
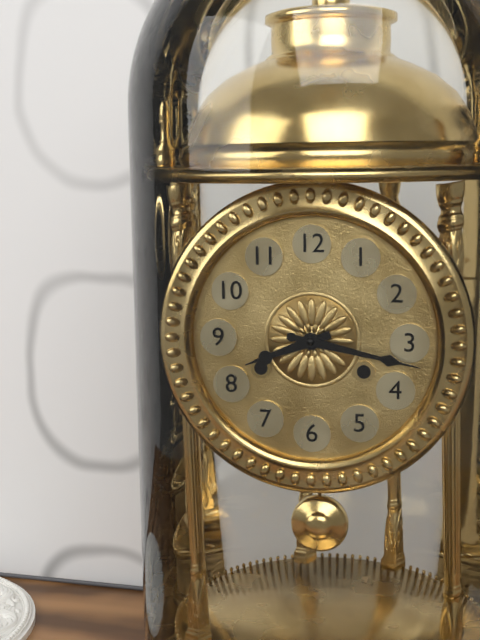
8:17
